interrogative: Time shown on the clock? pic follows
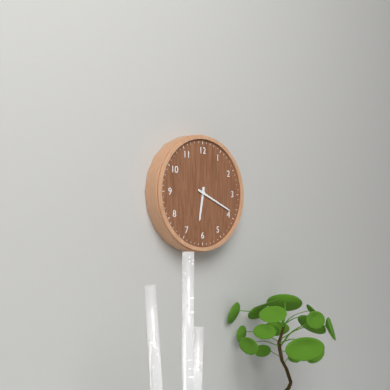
6:19
